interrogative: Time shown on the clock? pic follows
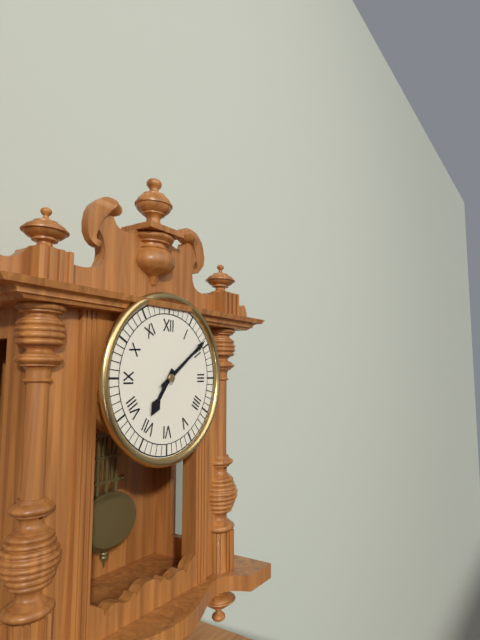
7:09
